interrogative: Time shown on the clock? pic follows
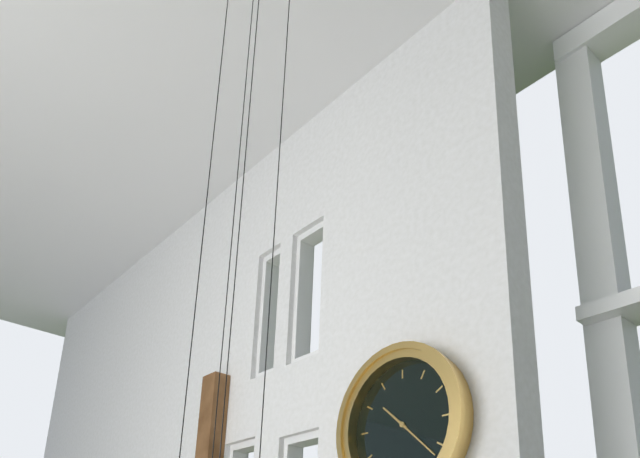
10:22
